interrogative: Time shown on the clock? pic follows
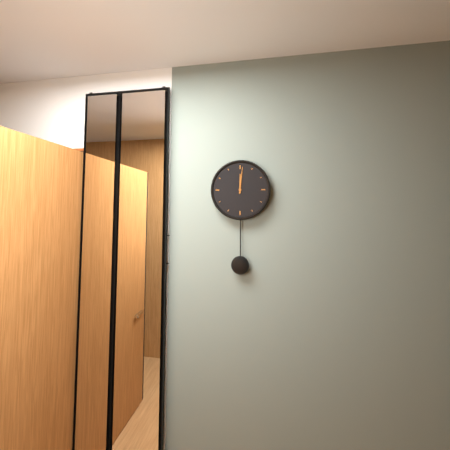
12:01
